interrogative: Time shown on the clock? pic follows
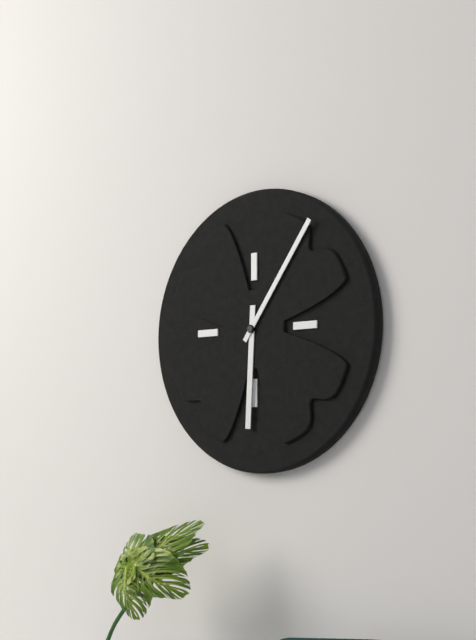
6:06
